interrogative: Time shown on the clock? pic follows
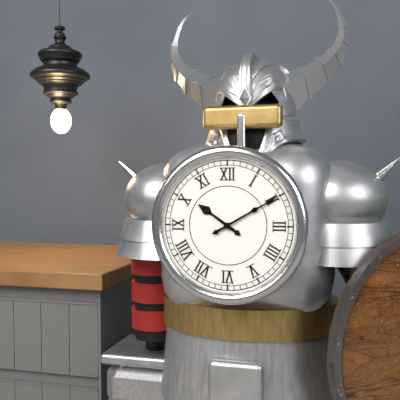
10:10
